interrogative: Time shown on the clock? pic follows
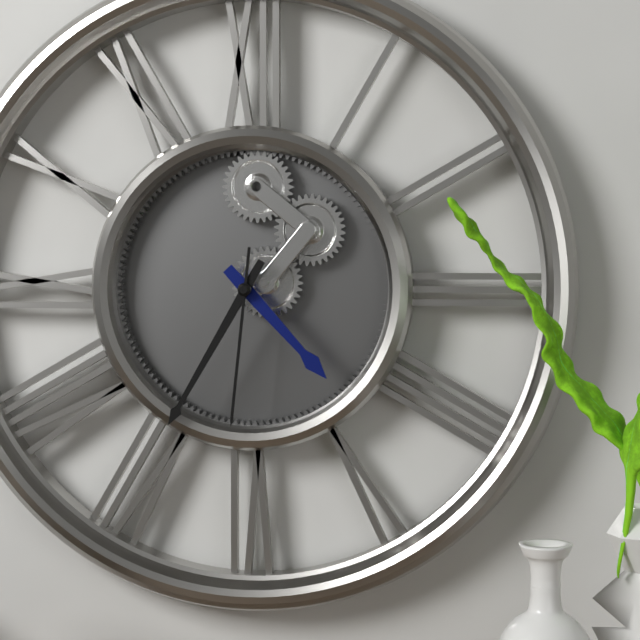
4:35:31
